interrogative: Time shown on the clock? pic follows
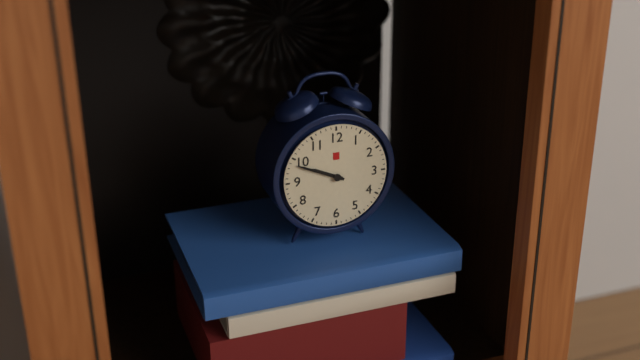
9:49
